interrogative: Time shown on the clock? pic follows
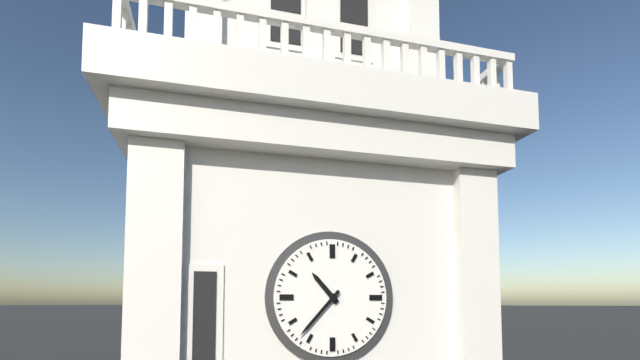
10:37
